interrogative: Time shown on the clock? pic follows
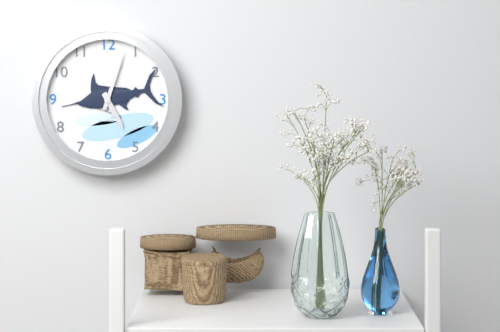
5:03
